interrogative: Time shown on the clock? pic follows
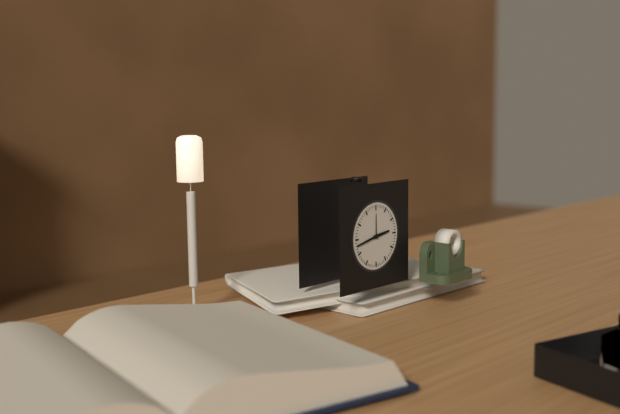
2:43
